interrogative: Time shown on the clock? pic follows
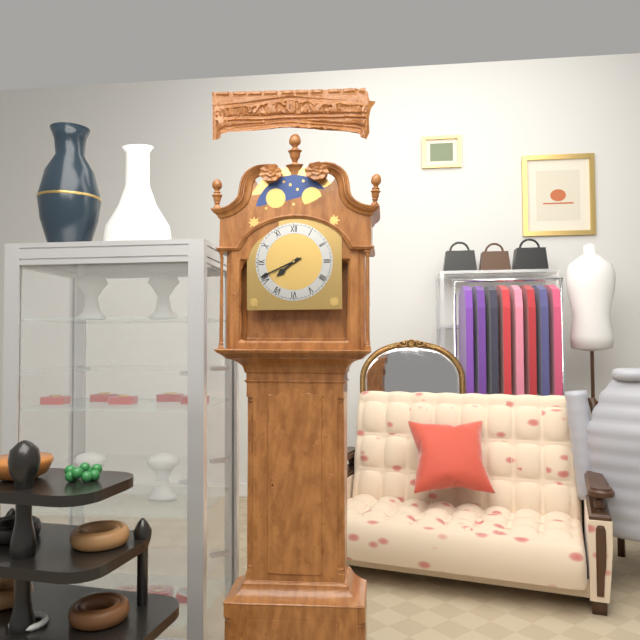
7:41
